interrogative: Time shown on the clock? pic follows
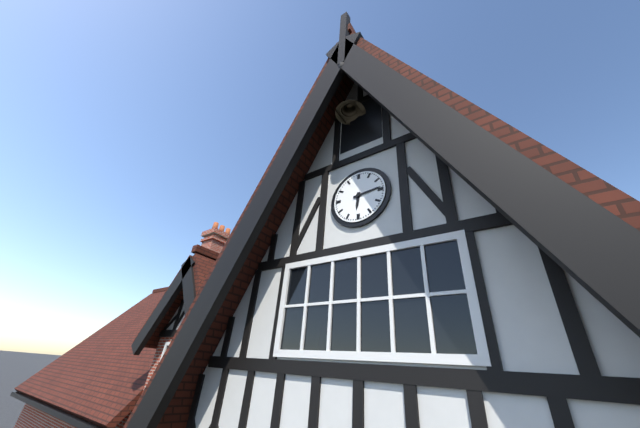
6:14
